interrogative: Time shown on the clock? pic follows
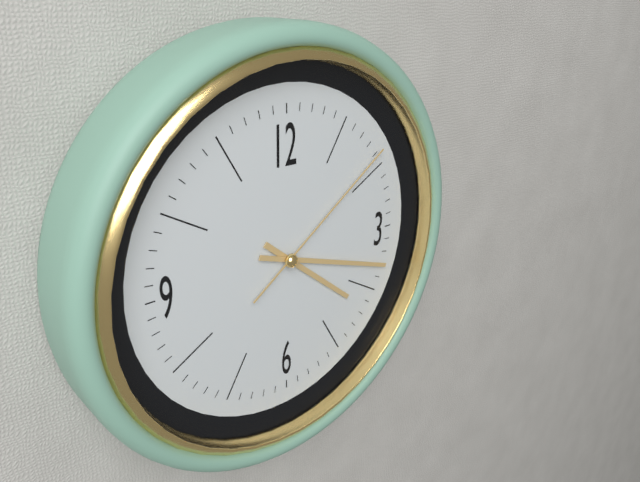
4:18:09
